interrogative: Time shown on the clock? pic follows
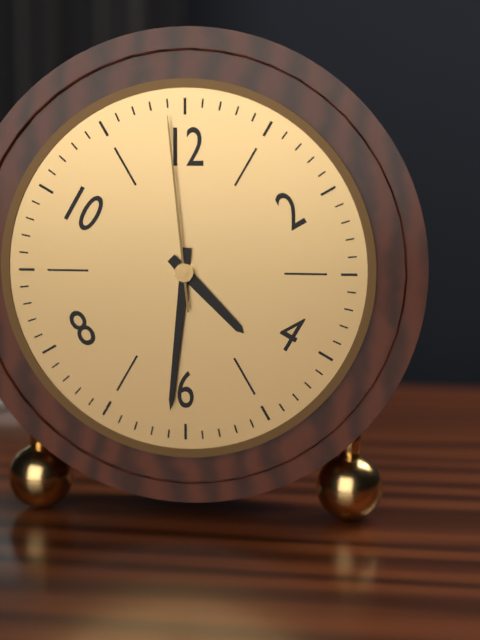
4:31:59
